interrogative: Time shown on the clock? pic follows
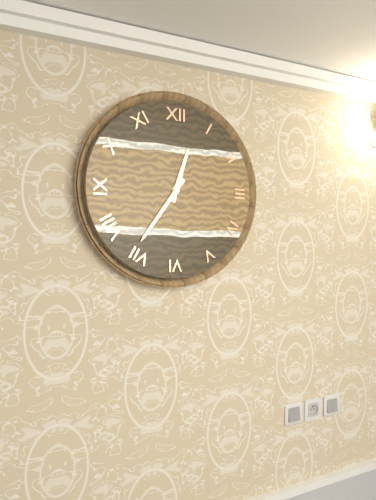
12:36
